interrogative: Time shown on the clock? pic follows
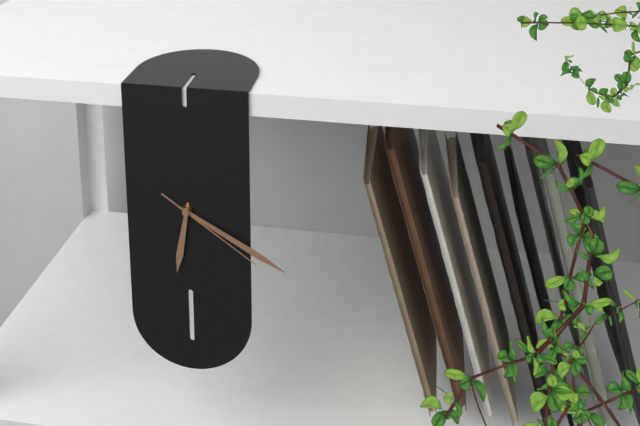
6:20:21
